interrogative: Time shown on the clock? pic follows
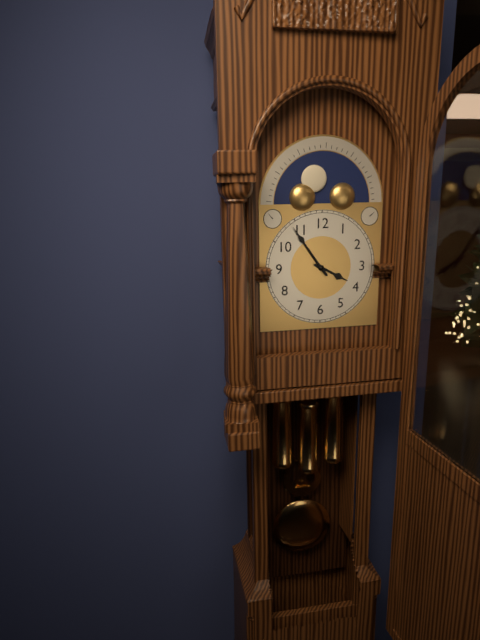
3:54
